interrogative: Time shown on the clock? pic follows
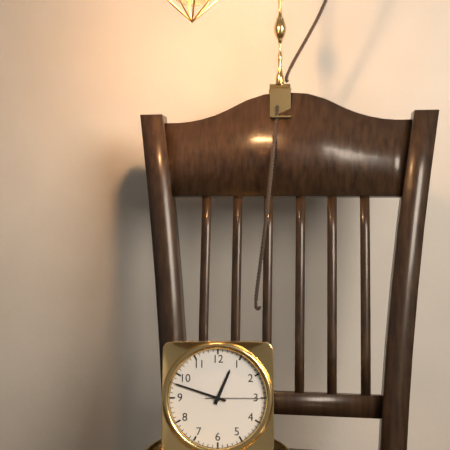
12:48:15
